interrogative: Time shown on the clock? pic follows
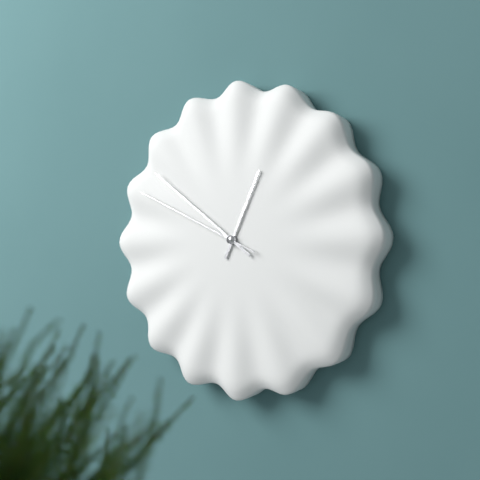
12:51:49
